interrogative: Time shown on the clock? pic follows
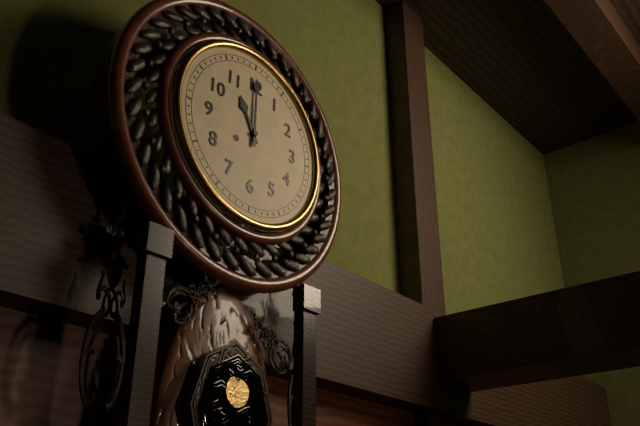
11:00
